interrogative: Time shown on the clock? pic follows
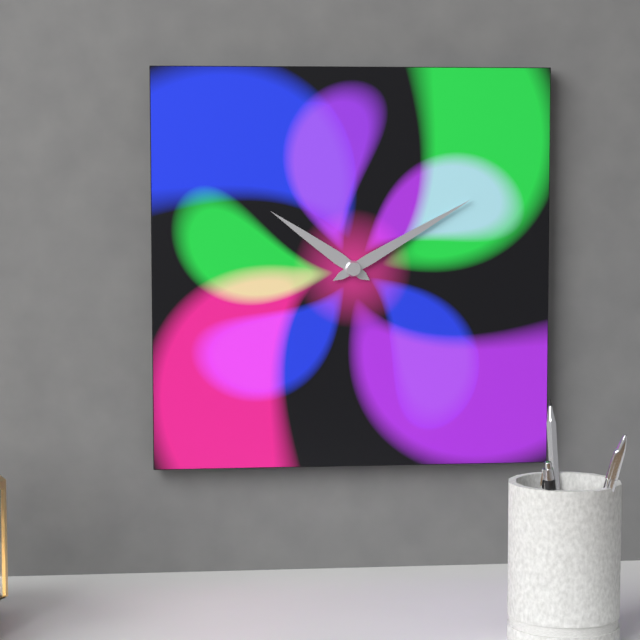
10:10
